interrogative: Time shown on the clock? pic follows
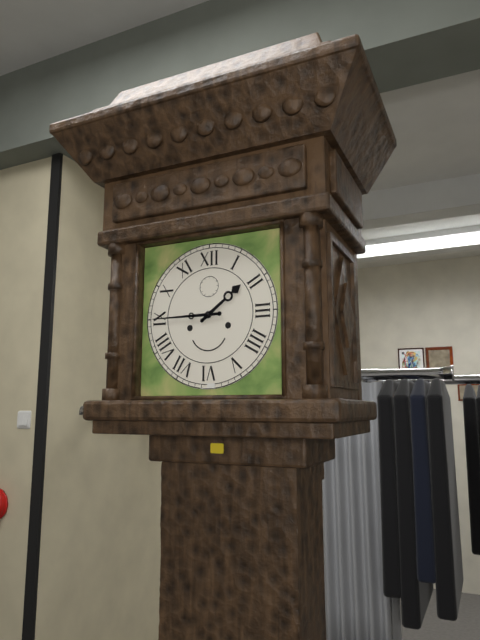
1:45
